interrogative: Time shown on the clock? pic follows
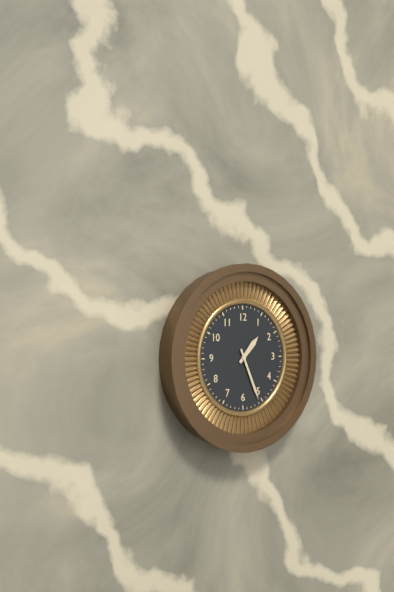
1:26
